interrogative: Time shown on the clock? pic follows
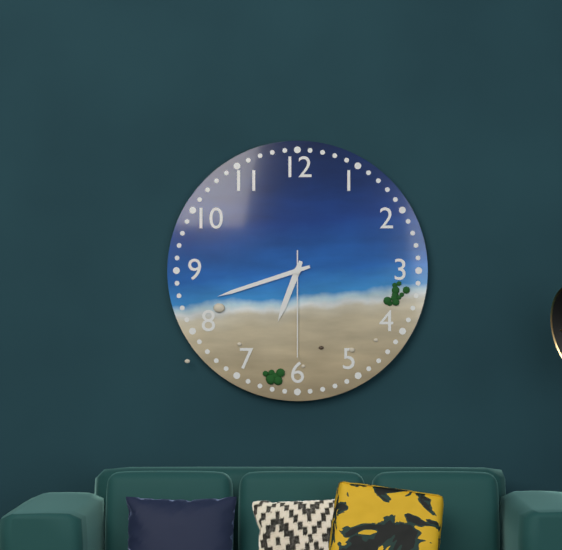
6:42:30
